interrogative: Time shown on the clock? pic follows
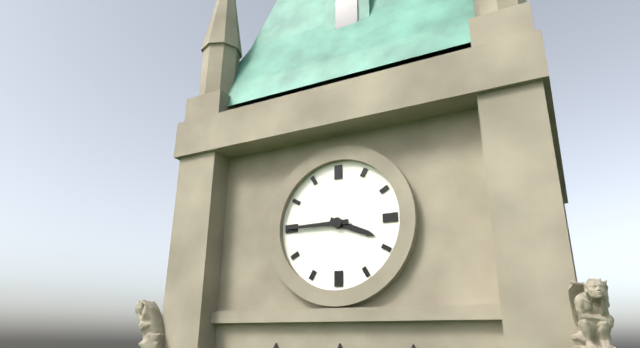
3:45
